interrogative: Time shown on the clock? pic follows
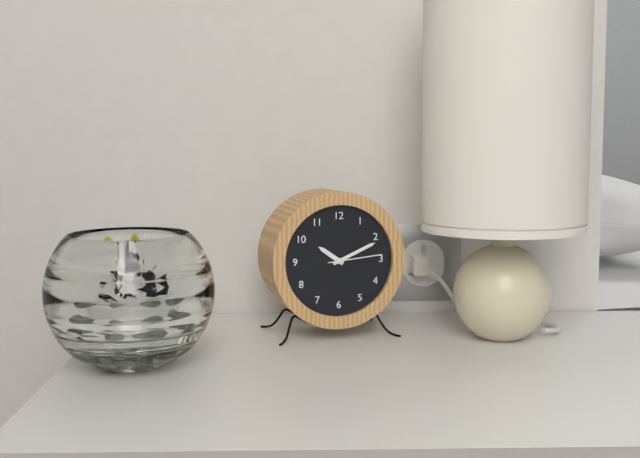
10:11:14
